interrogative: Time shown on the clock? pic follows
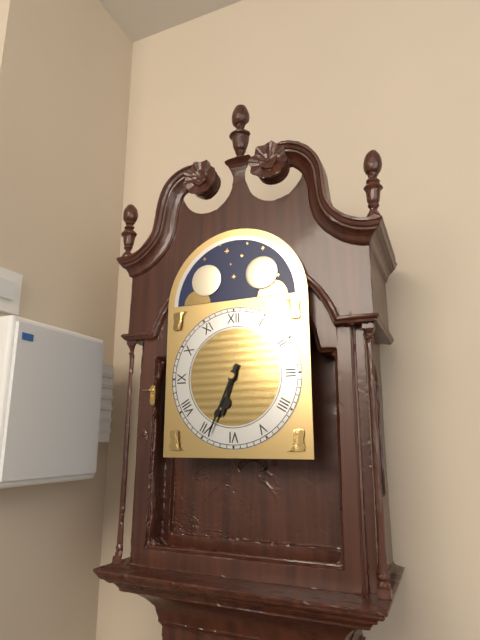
6:34
